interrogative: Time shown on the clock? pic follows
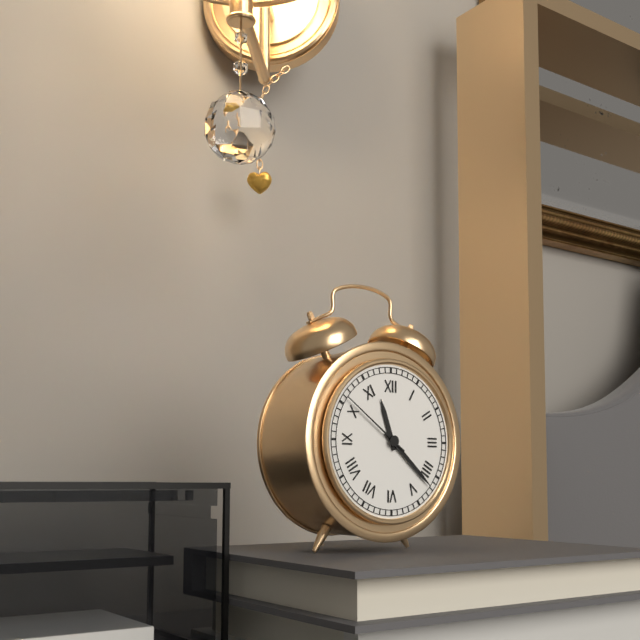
11:22:51
